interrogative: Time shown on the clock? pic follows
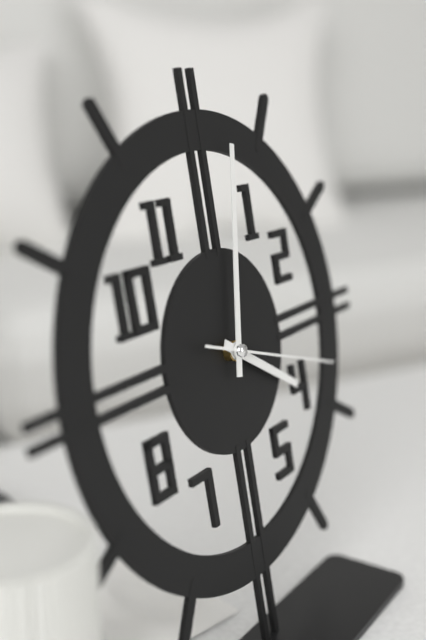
4:02:18
